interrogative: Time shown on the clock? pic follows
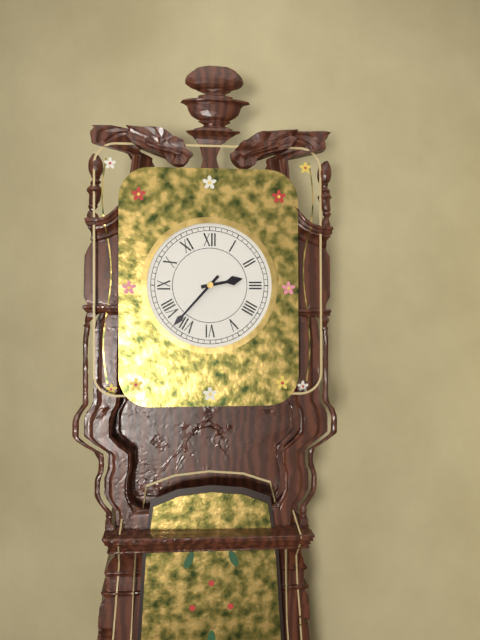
2:37
